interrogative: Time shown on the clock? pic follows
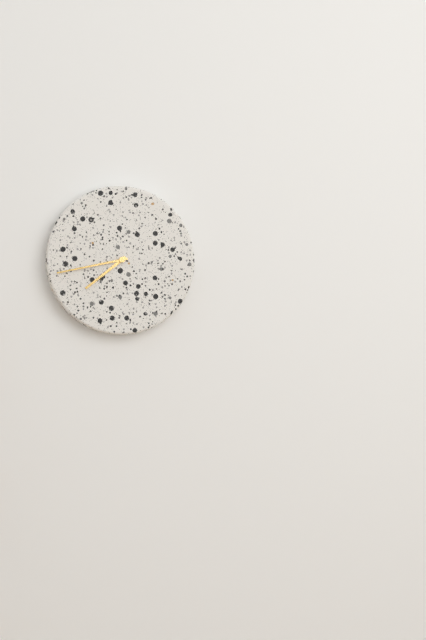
7:43
